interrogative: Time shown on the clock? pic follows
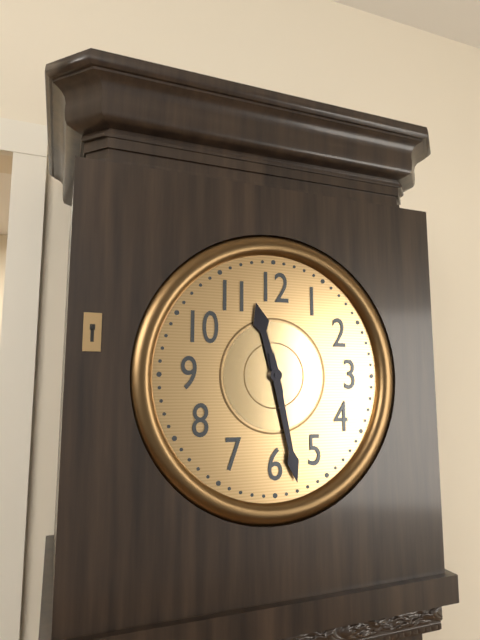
11:28
